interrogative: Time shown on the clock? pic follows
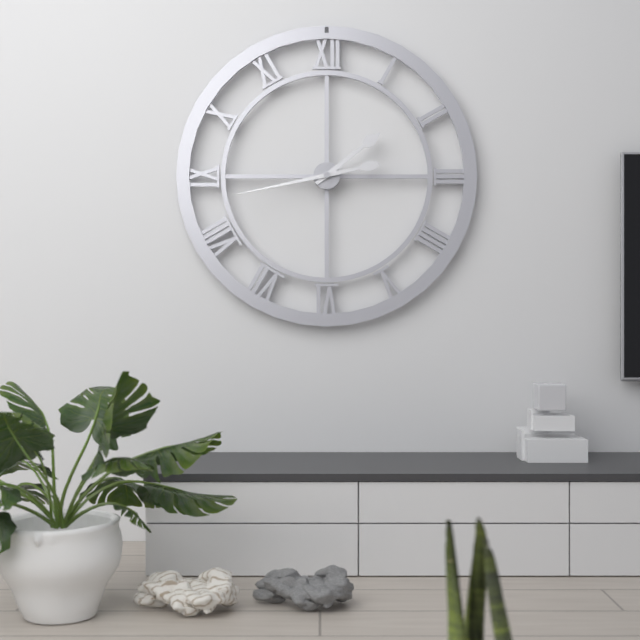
1:43
